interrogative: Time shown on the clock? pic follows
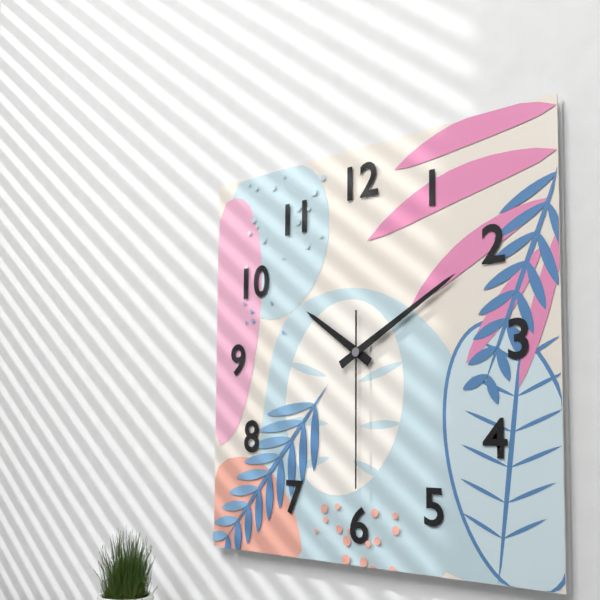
10:10:30
